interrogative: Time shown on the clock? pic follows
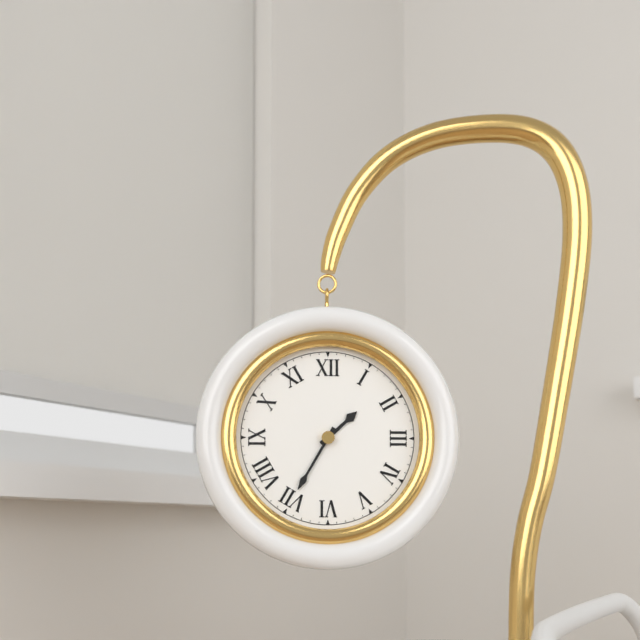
1:35
